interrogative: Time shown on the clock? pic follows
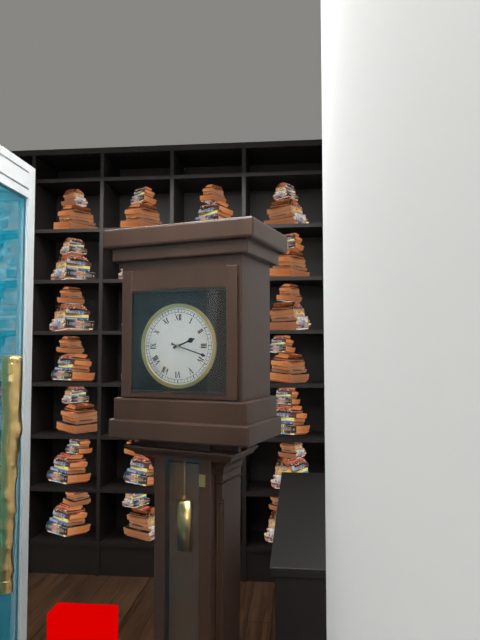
2:18
